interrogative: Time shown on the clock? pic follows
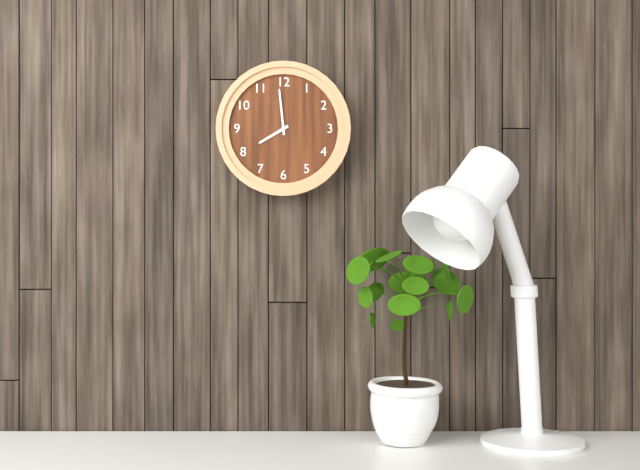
7:59
